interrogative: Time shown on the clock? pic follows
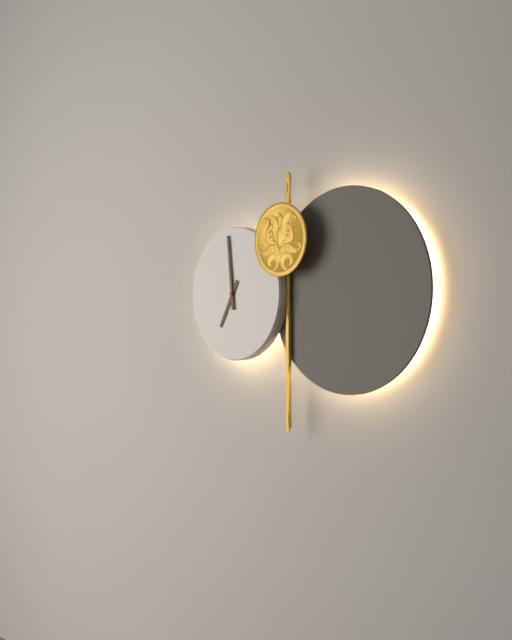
6:59
